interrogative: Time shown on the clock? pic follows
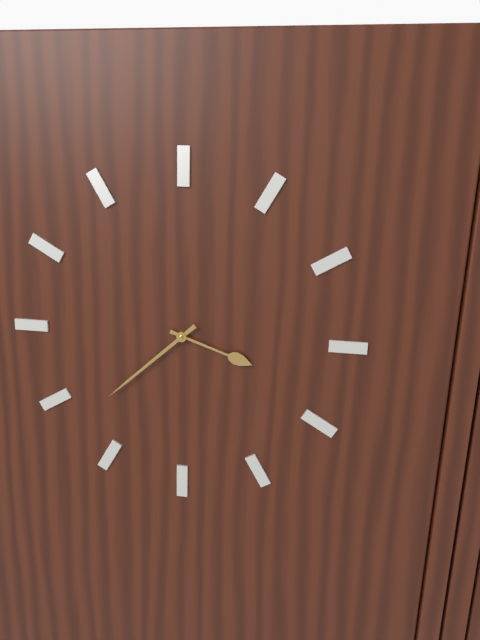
3:38
